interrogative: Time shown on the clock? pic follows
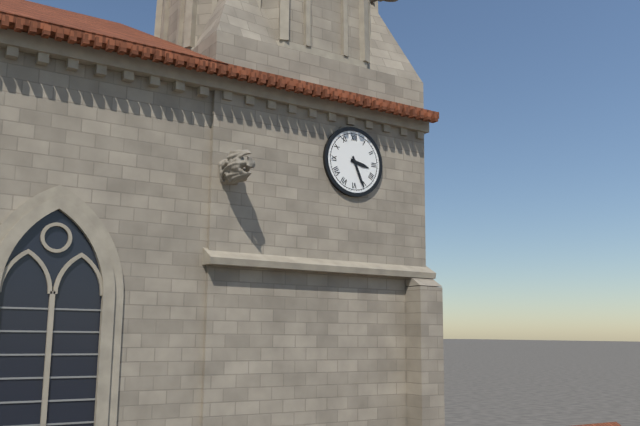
3:26
